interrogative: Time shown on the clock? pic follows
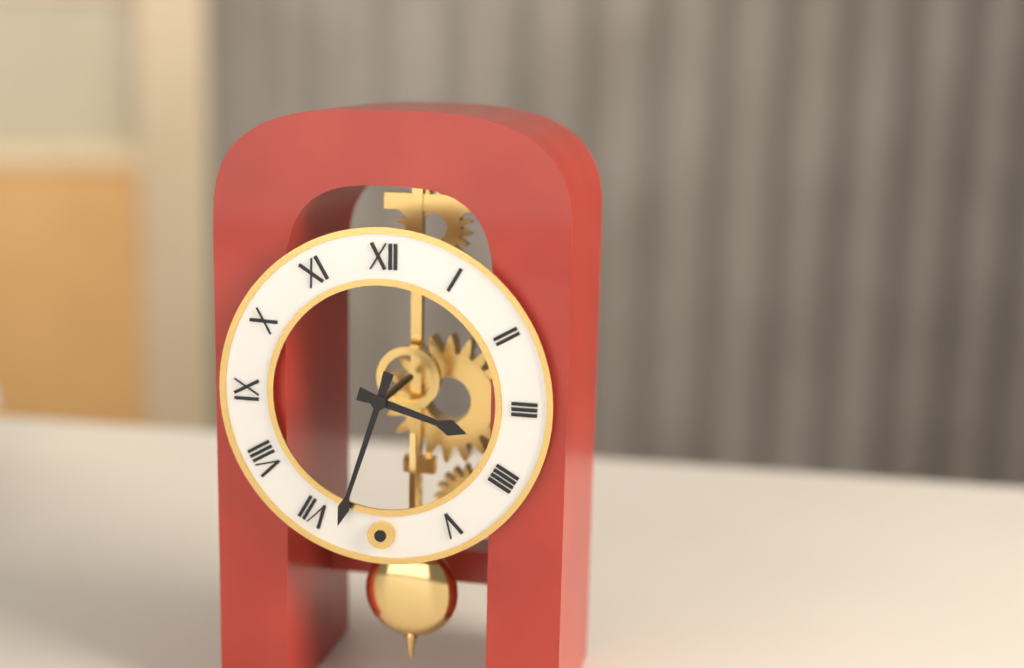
3:33
